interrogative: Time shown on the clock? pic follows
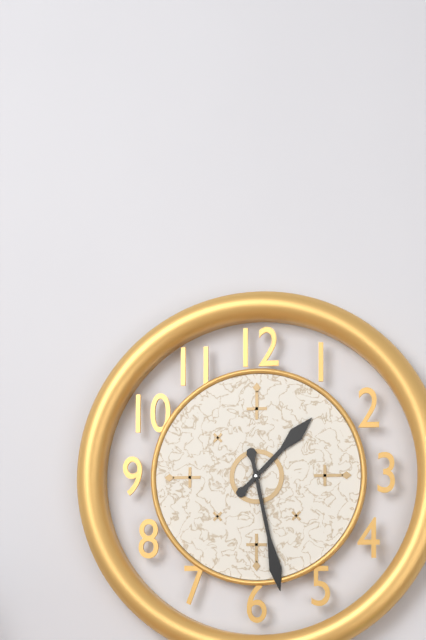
1:28
